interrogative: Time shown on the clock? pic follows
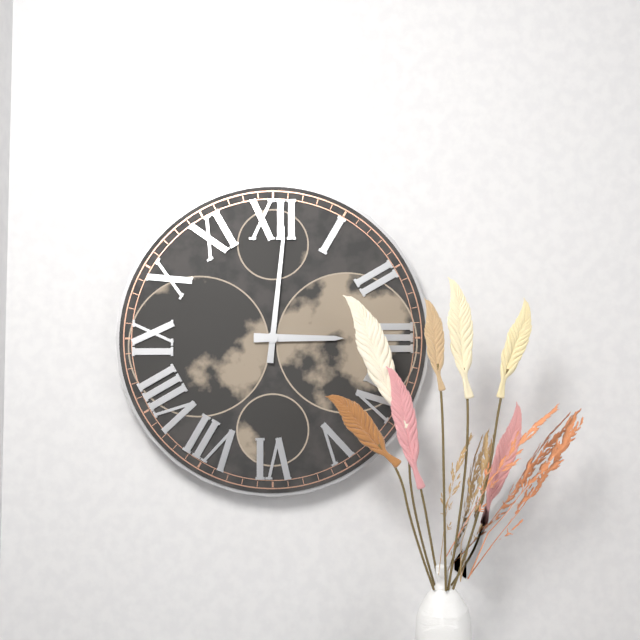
3:01
